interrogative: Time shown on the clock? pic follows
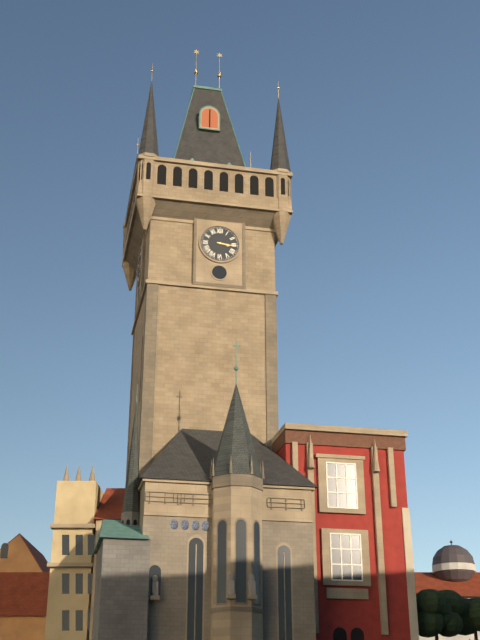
3:16
